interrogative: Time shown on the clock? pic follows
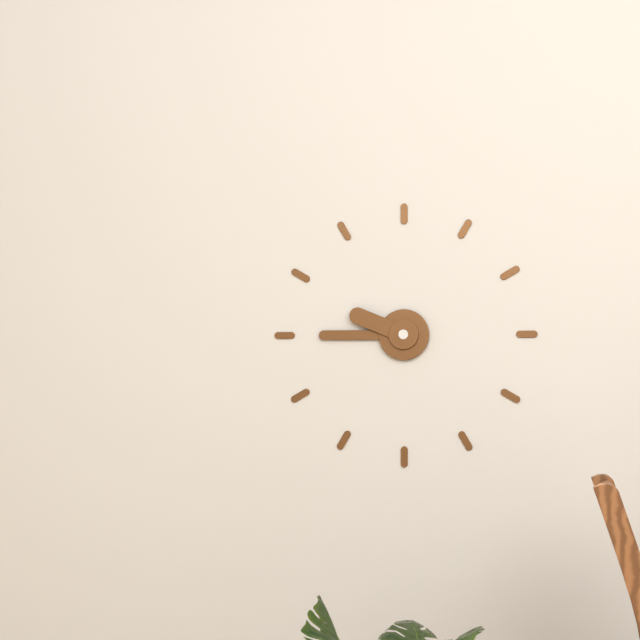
9:45
